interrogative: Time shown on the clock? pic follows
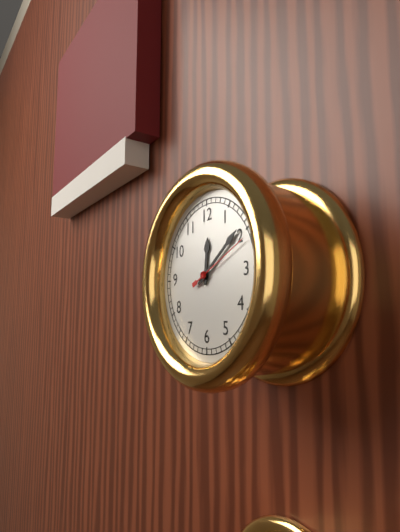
12:09:11
